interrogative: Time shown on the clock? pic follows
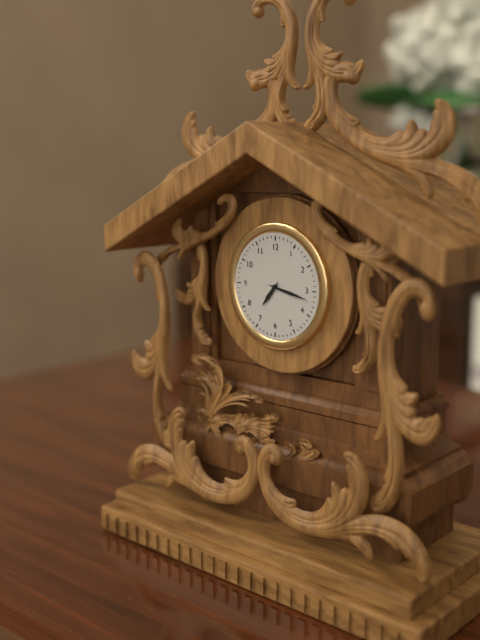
7:17
